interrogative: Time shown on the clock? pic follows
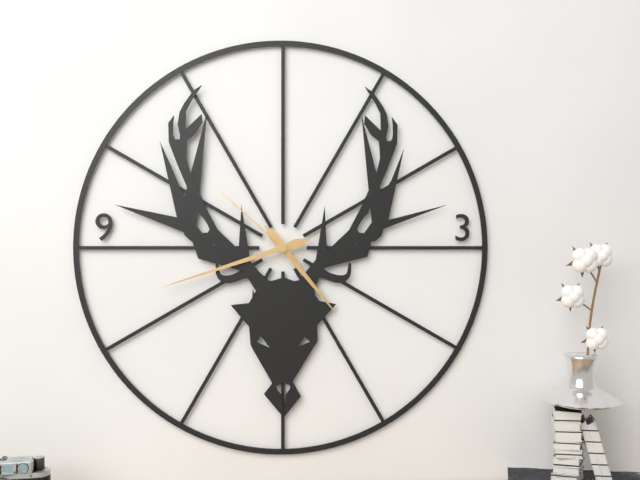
4:42:52
